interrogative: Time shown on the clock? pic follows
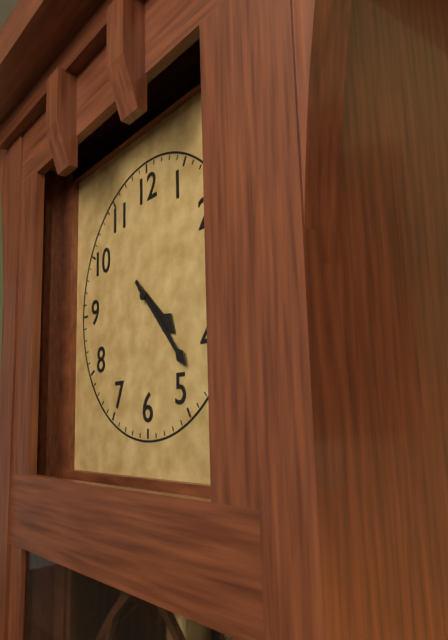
4:23
